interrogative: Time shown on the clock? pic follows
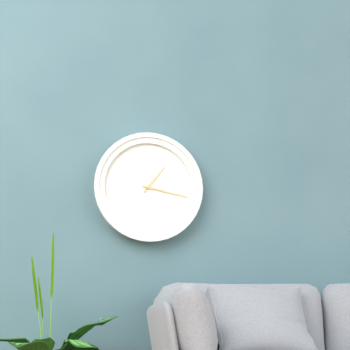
1:17
